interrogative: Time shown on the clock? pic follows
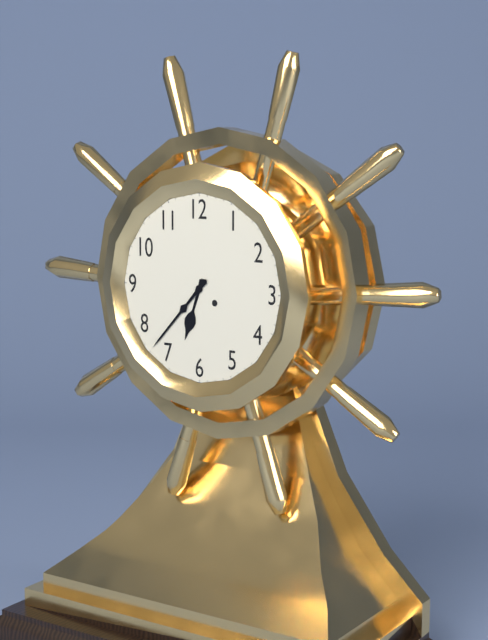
6:37
